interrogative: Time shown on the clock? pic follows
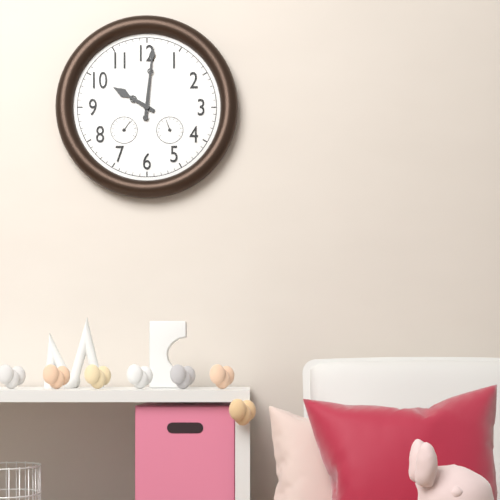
10:01
